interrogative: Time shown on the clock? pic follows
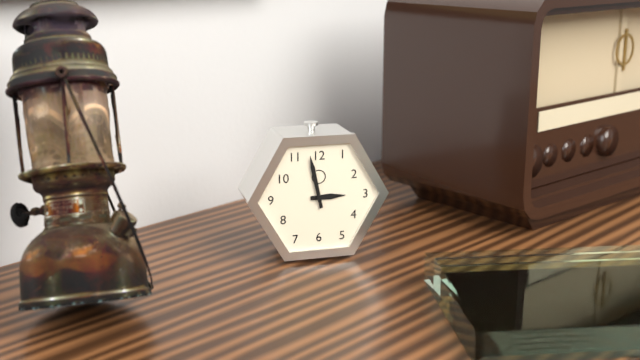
2:58
